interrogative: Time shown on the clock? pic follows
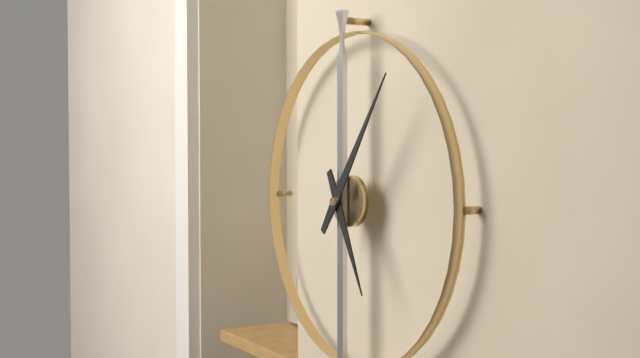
5:06
